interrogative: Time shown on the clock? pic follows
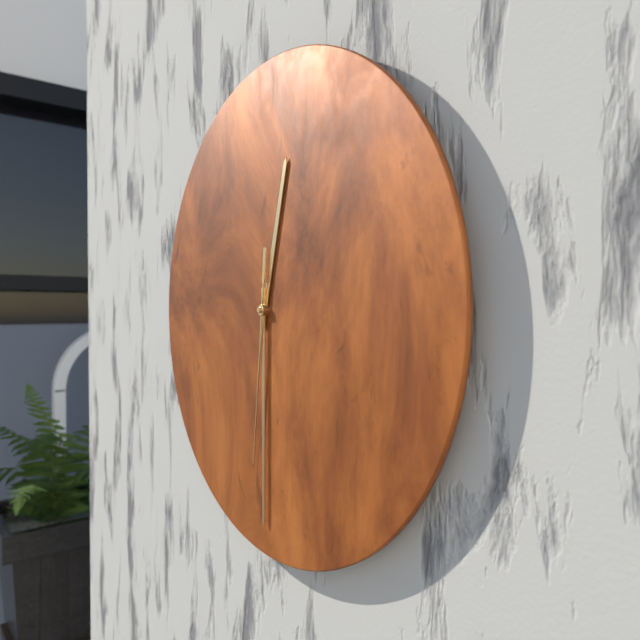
12:30:31
